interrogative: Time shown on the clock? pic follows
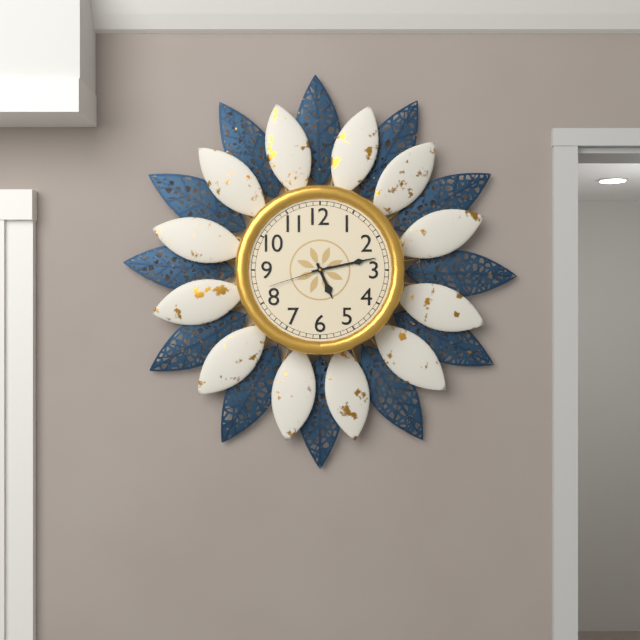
5:13:42
